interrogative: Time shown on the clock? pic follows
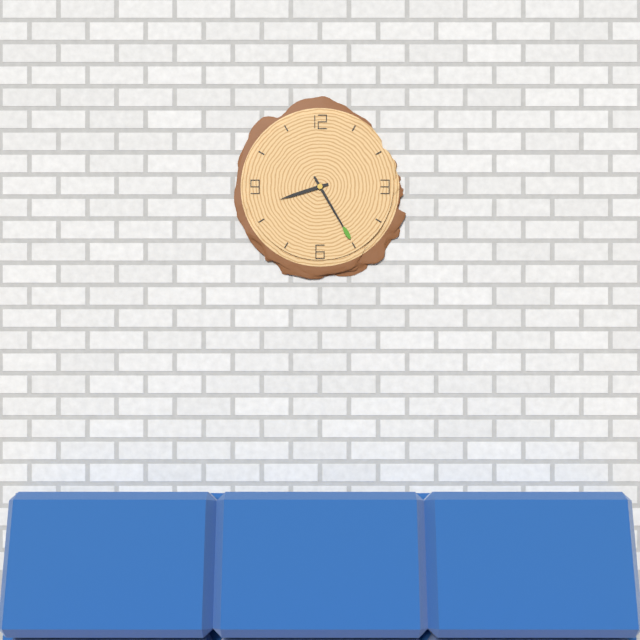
8:25
